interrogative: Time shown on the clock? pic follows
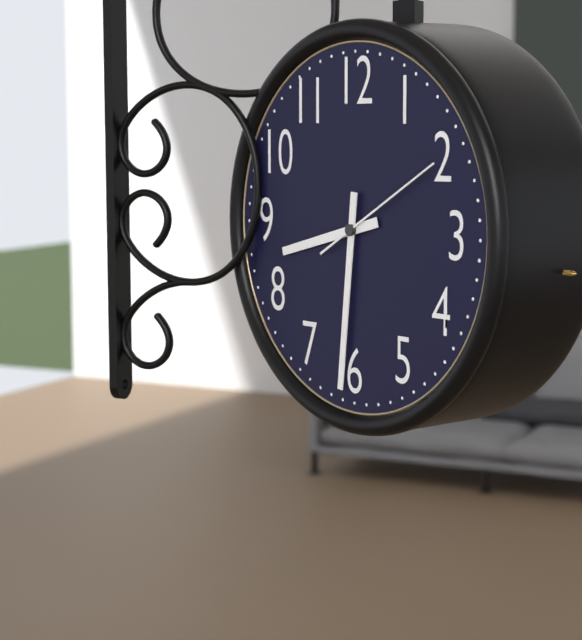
8:31:10
